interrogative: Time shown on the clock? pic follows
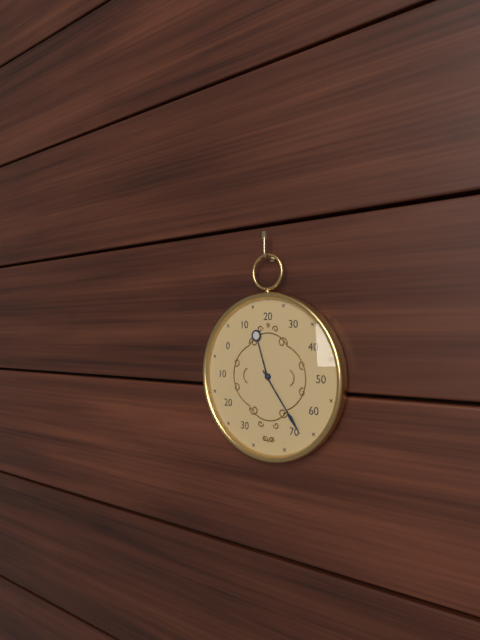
11:24
